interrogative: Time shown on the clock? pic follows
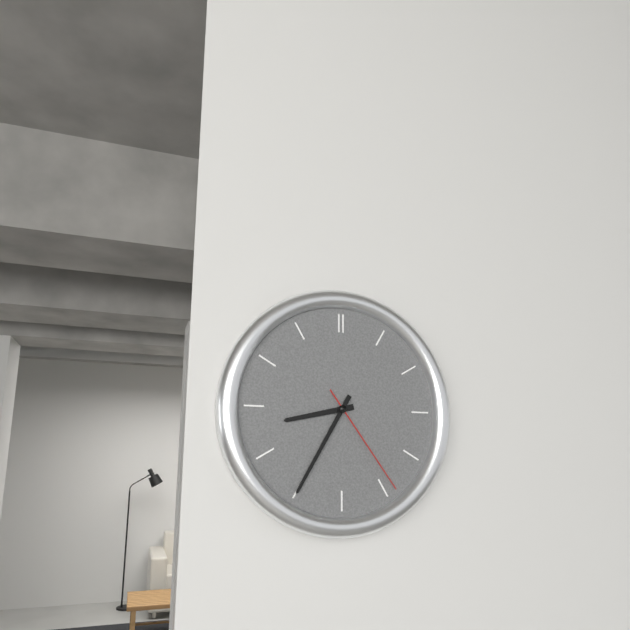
8:35:24
